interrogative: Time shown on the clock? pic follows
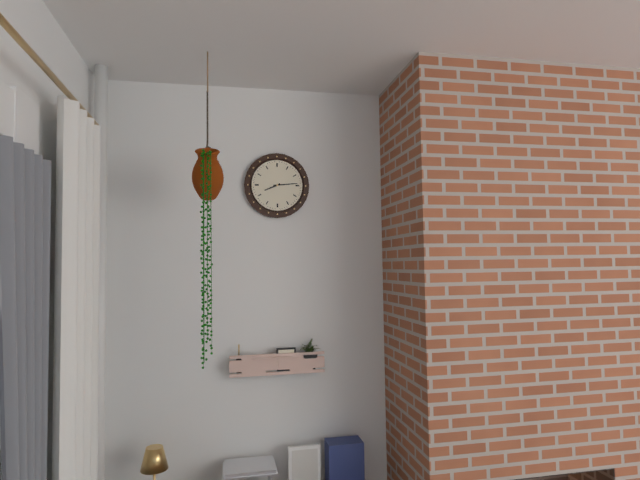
8:14
